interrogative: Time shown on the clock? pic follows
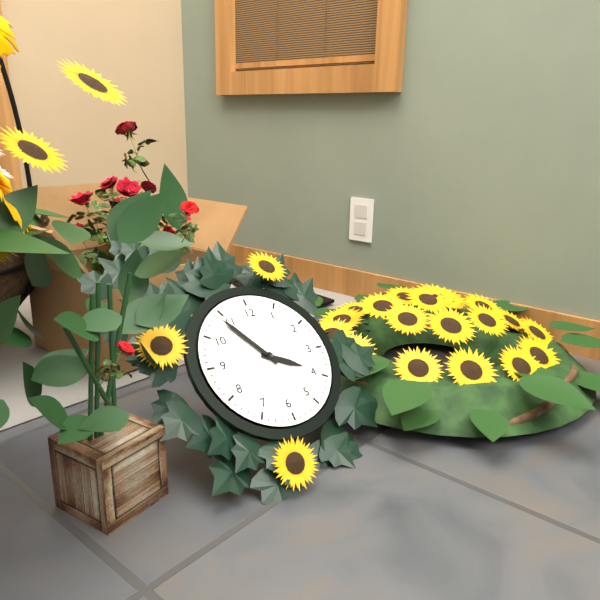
3:54
